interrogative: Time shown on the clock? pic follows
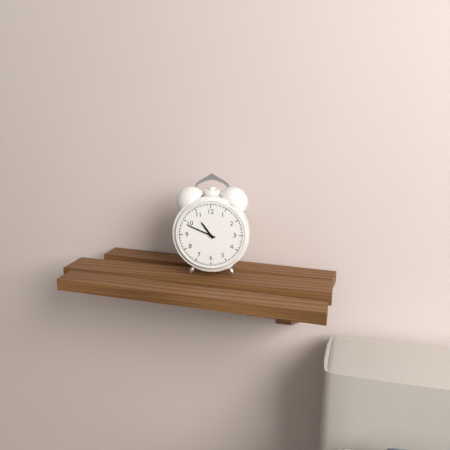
10:49
